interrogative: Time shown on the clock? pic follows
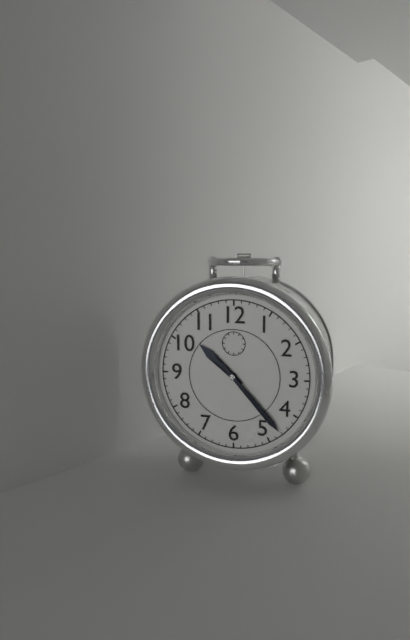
10:23
